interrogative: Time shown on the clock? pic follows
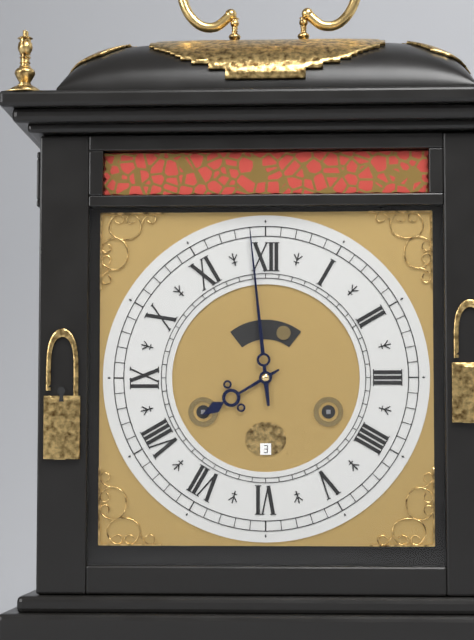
7:59
